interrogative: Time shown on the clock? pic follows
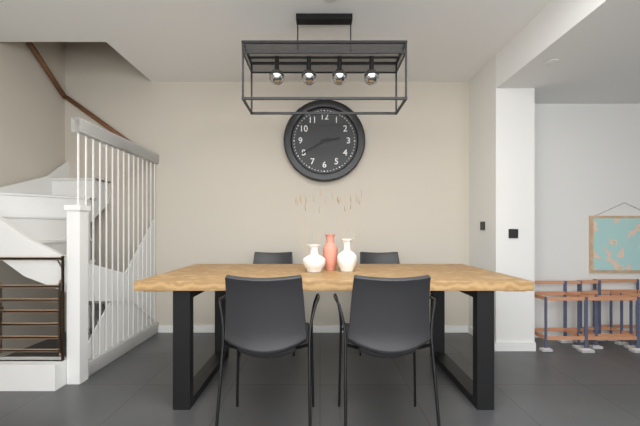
2:40
